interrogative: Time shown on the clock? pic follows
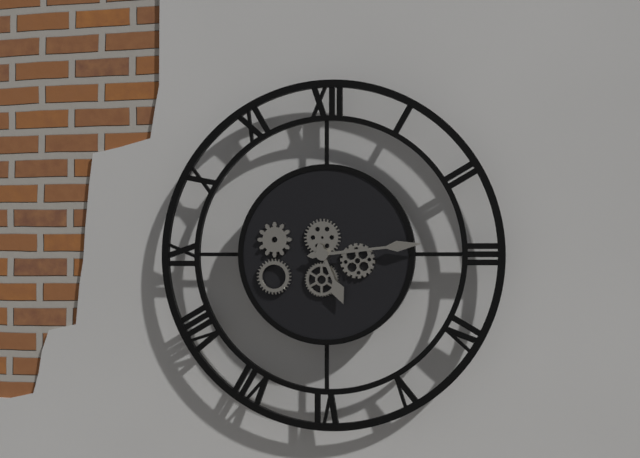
5:14
